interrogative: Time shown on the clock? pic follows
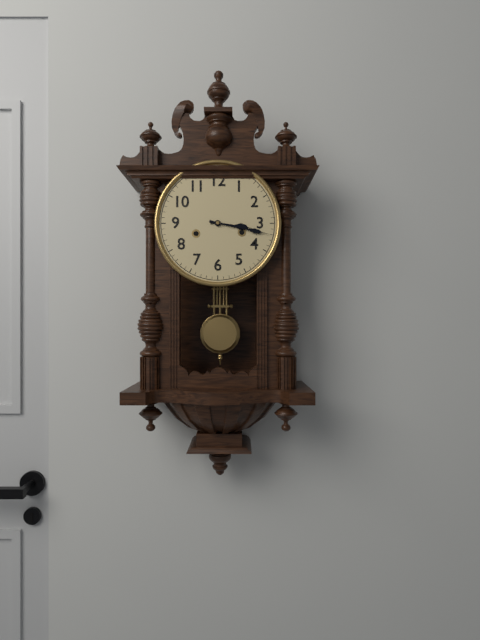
3:17
